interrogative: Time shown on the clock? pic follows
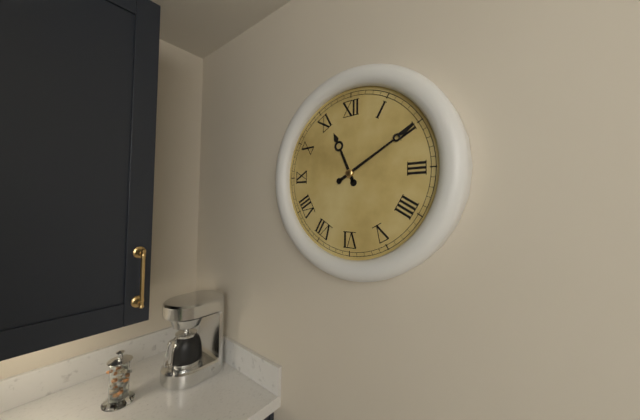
11:10
